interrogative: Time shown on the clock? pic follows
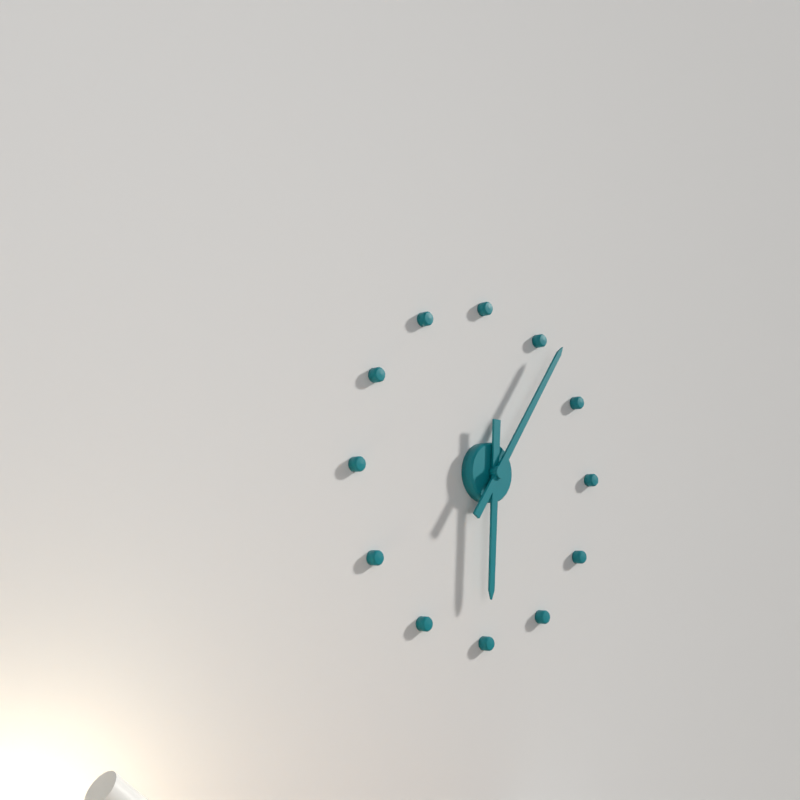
6:06
